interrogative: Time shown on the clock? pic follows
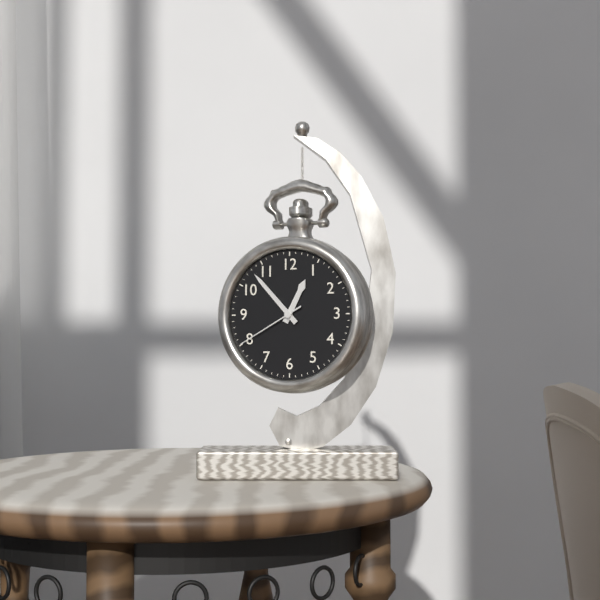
12:53:40
